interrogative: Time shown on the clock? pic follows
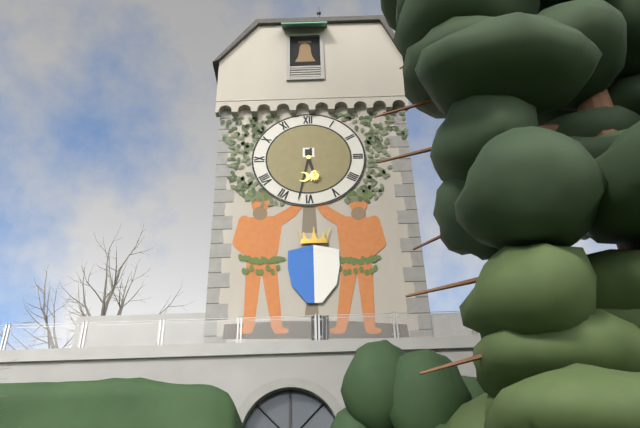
5:32
